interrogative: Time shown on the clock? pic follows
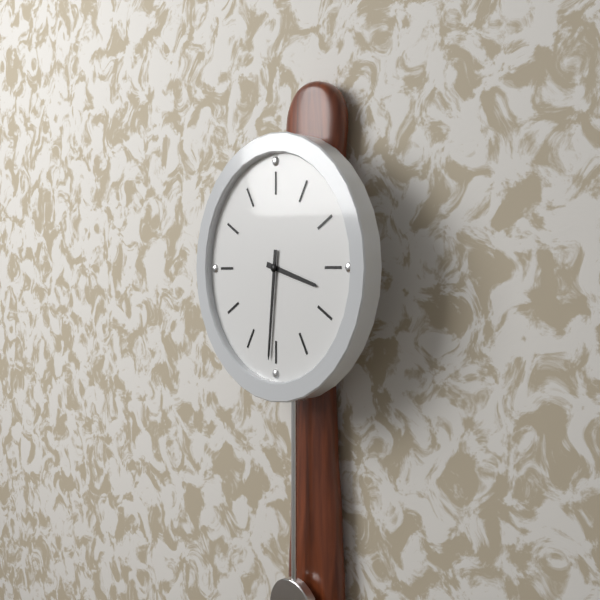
3:31
